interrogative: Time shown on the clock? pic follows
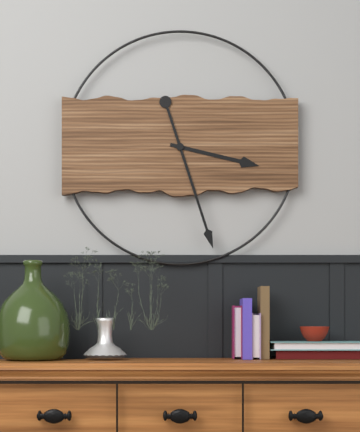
3:27
